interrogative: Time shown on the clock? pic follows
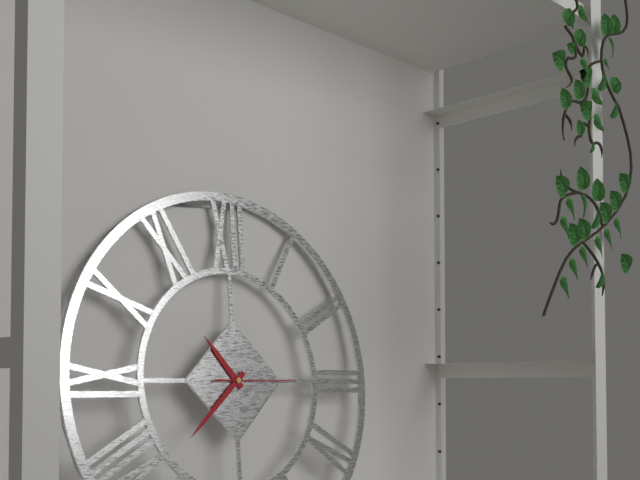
10:38:15
